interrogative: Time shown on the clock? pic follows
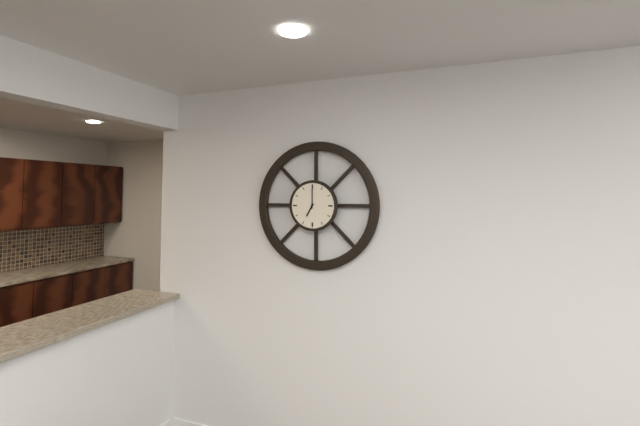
7:00
